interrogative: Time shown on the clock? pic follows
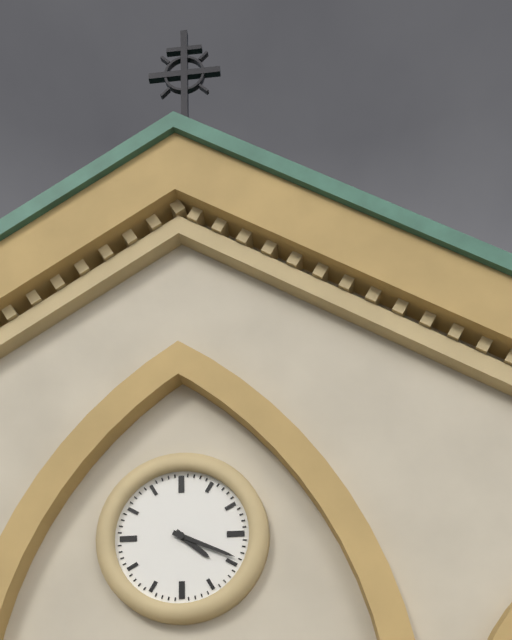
4:19
